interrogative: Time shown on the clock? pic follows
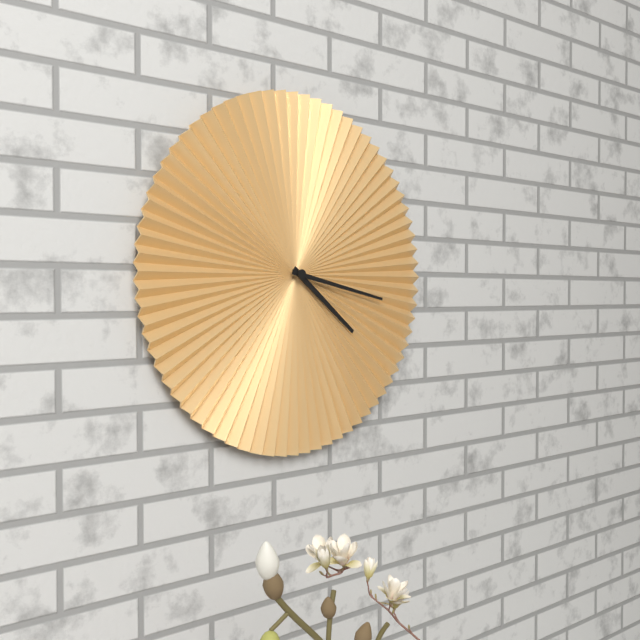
4:17
